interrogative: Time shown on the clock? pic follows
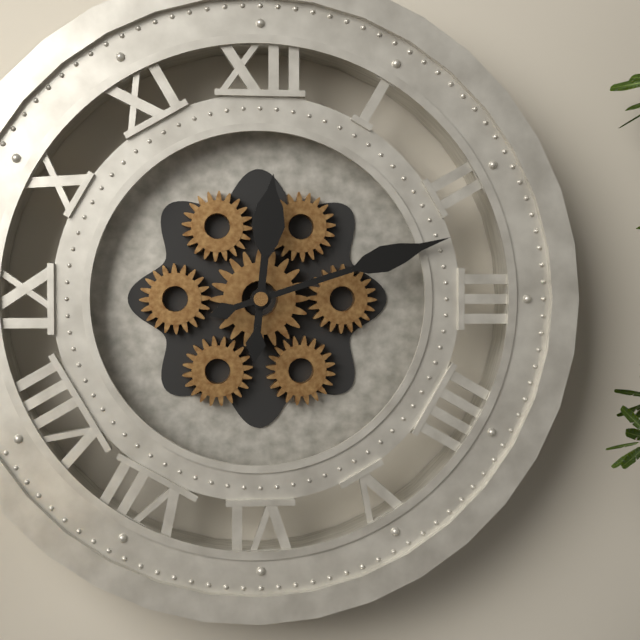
12:12
